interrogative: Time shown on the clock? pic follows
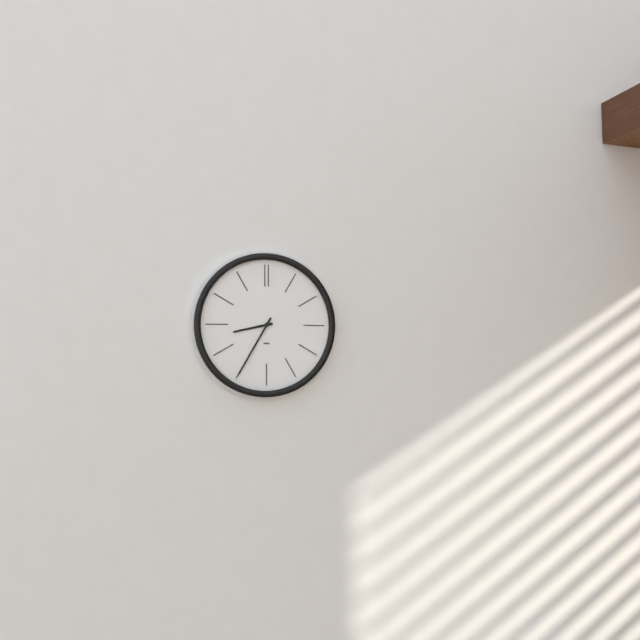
8:35
